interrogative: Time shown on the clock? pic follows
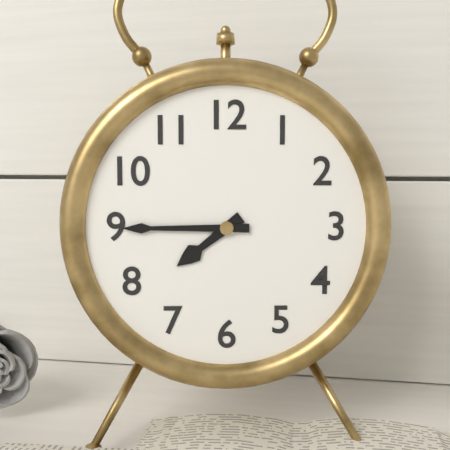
7:45
